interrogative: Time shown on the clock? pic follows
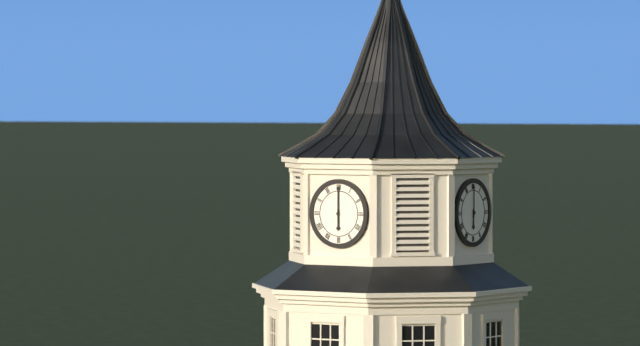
6:00
